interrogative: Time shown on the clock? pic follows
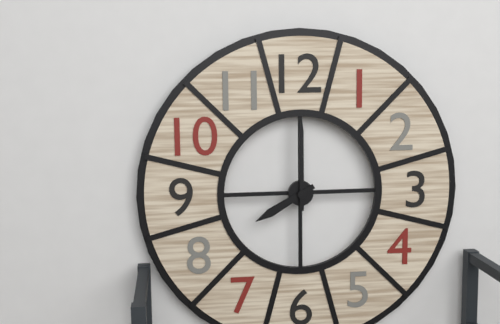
8:00
